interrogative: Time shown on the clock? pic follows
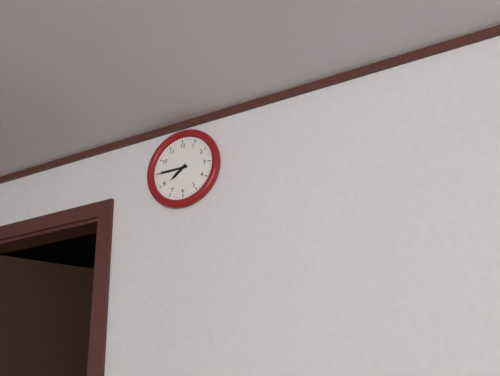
7:45
